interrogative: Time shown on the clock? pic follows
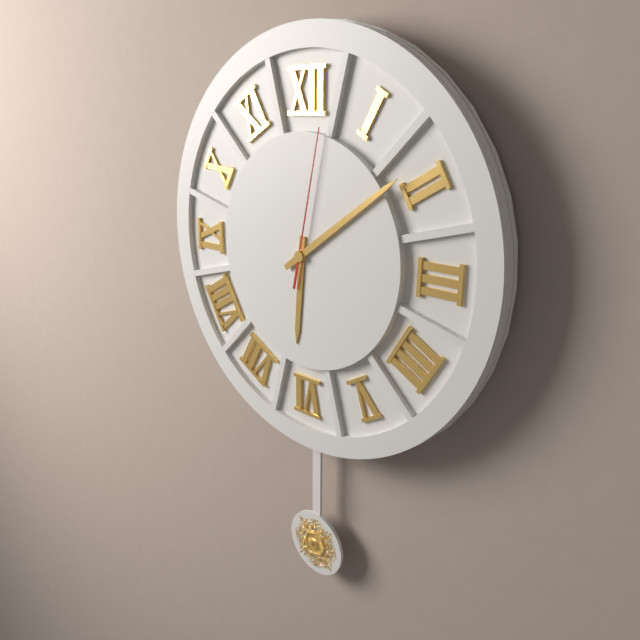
6:09:02
